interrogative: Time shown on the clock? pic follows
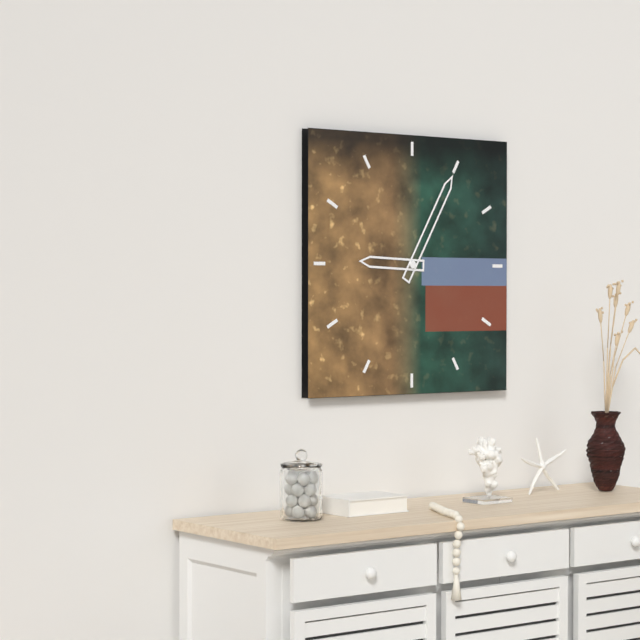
9:05
